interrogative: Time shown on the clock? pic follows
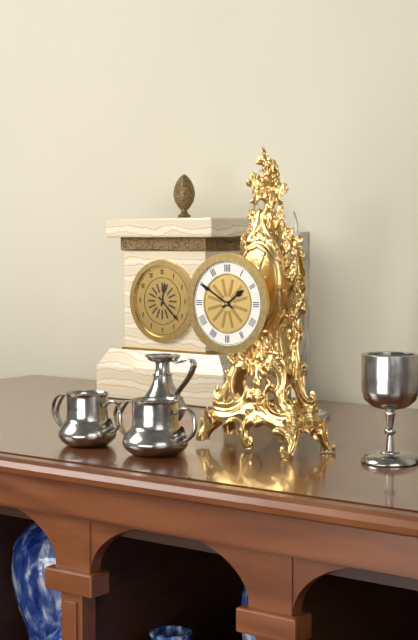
1:50
